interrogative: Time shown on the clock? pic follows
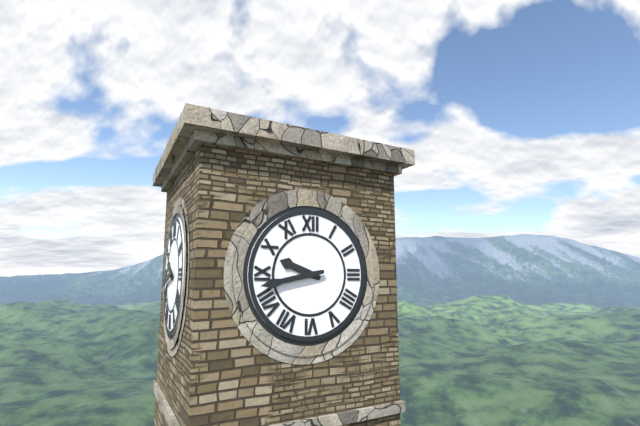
9:43
